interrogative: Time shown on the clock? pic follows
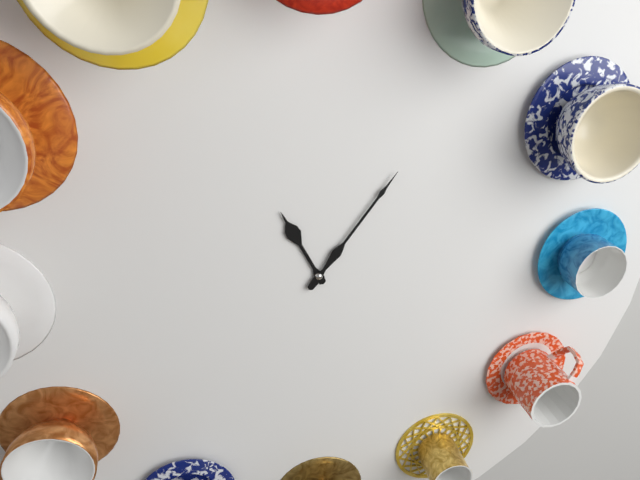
11:06
